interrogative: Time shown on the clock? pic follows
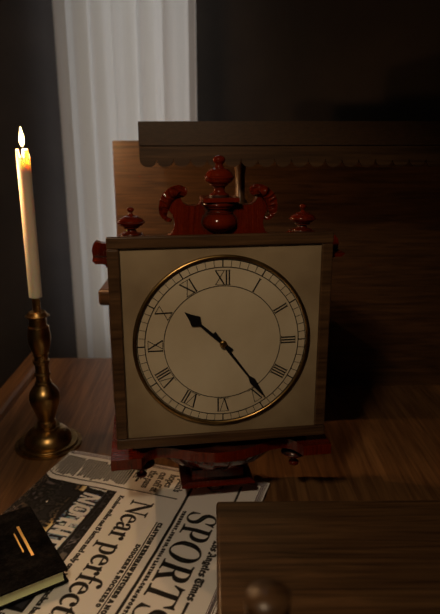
10:24
